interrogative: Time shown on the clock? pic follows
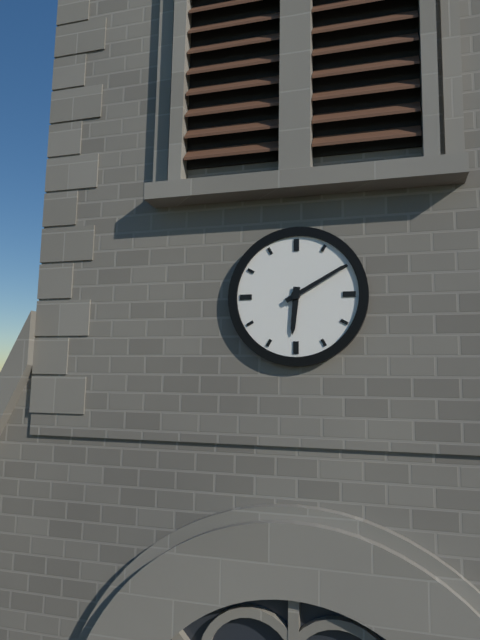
6:10
